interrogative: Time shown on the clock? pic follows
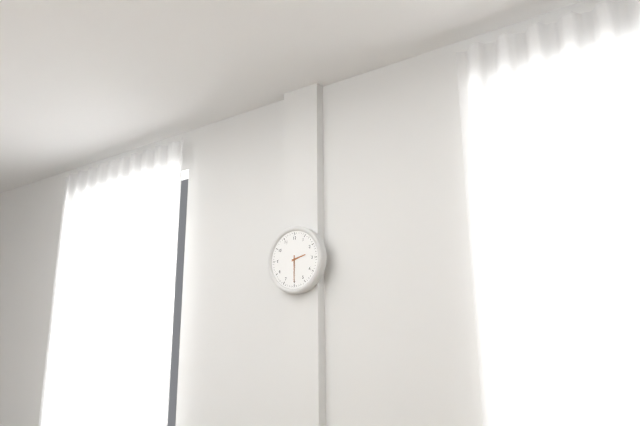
2:30
